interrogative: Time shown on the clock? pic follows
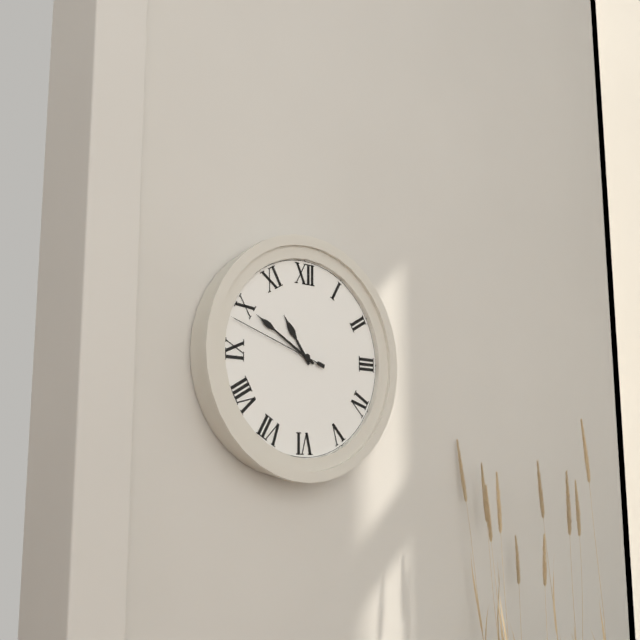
10:50:48
